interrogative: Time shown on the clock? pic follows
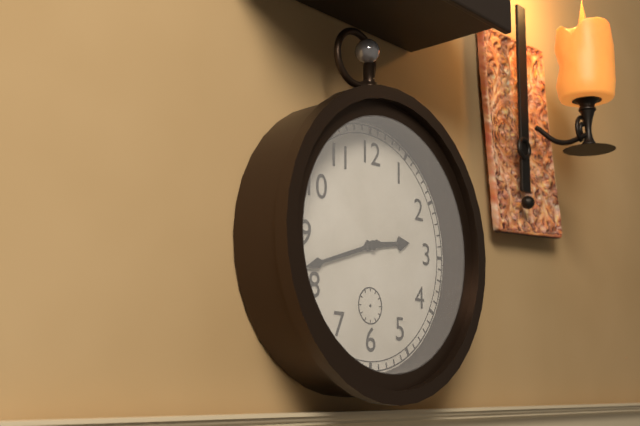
2:42
